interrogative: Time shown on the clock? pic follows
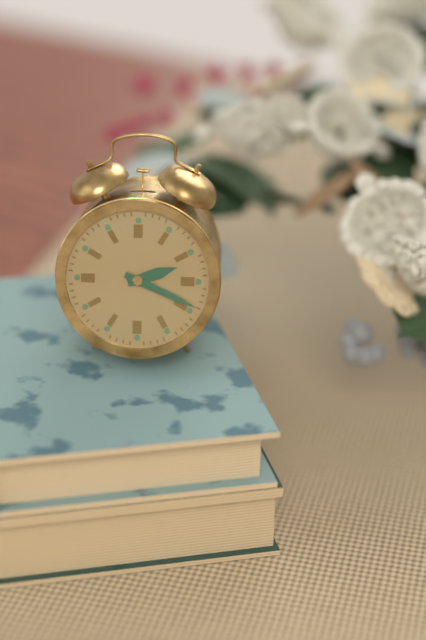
2:19
